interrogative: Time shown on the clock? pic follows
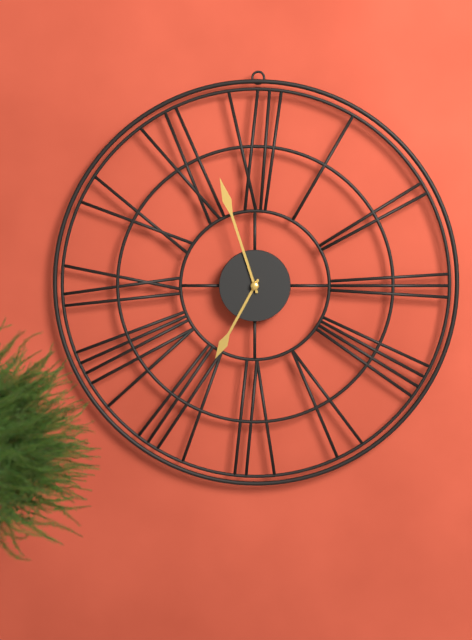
6:57
